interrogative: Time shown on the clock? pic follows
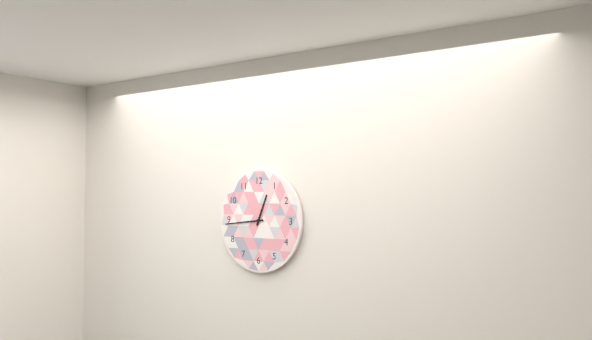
12:44
